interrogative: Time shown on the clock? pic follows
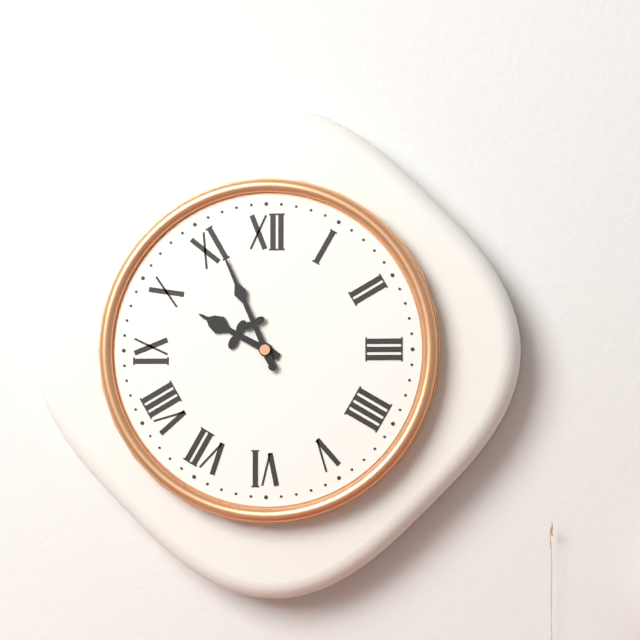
9:56
